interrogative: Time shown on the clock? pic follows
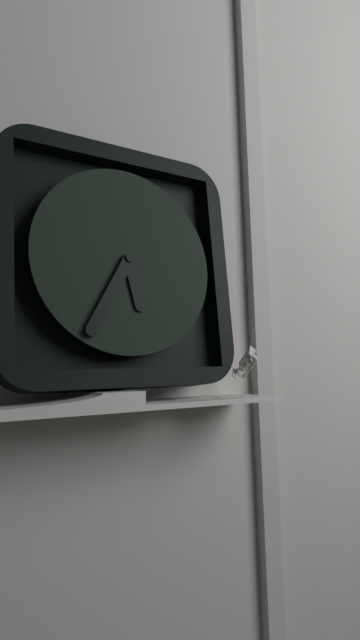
5:35
